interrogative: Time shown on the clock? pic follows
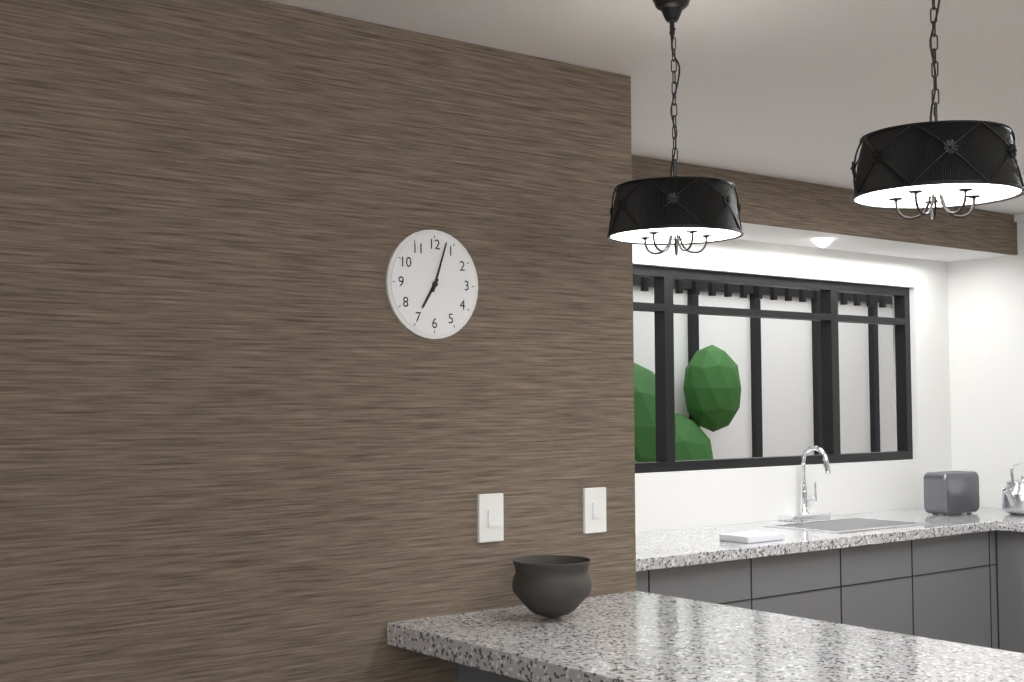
7:03
